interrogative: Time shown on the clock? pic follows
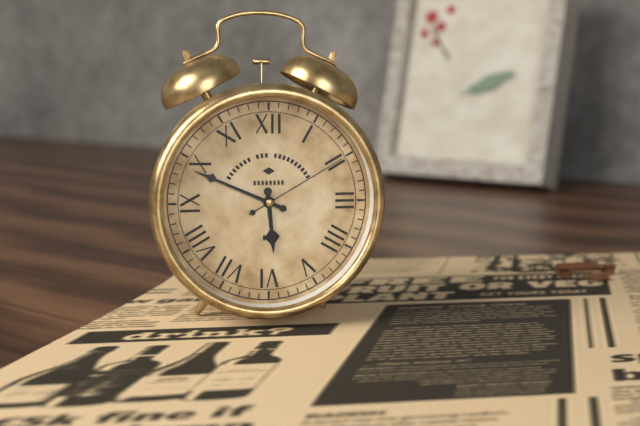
5:49:10
